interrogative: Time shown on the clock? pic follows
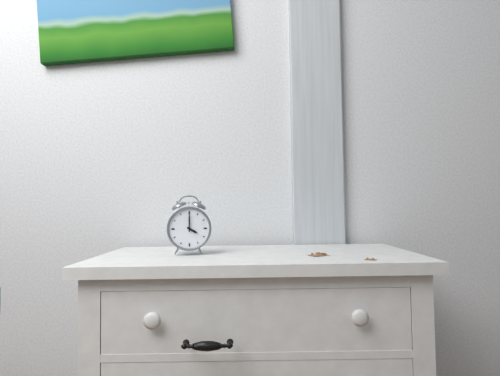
4:00
